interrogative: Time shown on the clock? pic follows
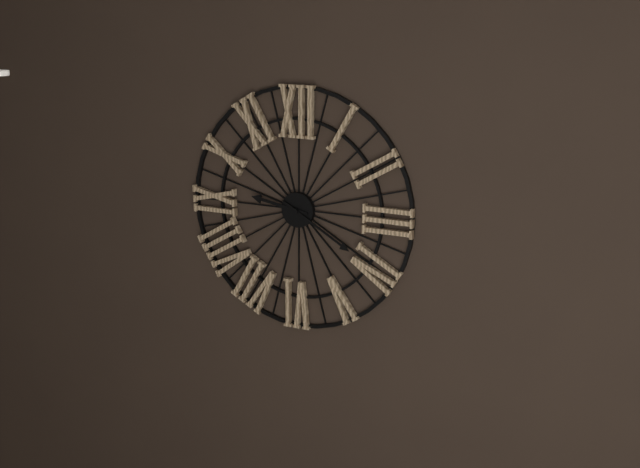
9:20
